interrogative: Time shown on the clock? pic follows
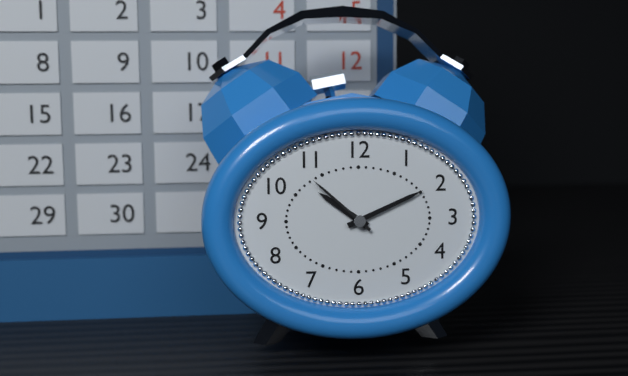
10:11:52
